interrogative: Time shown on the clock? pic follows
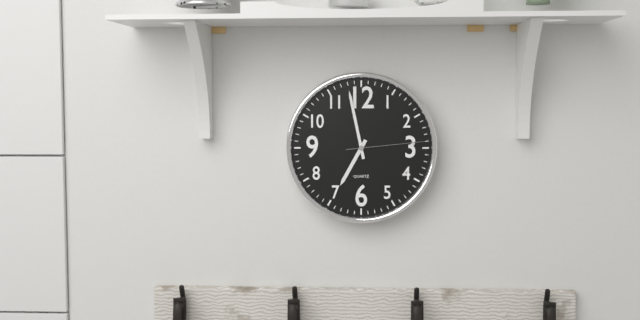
6:58:14
